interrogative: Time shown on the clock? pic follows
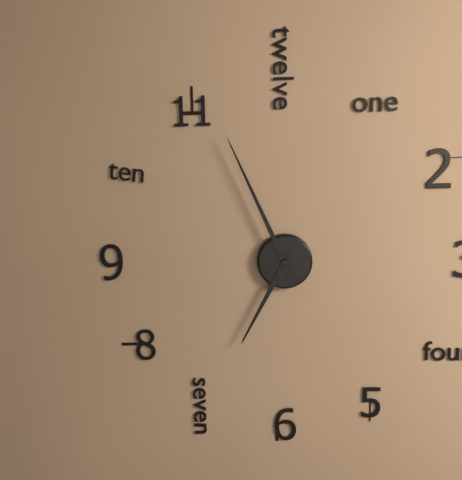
6:56
